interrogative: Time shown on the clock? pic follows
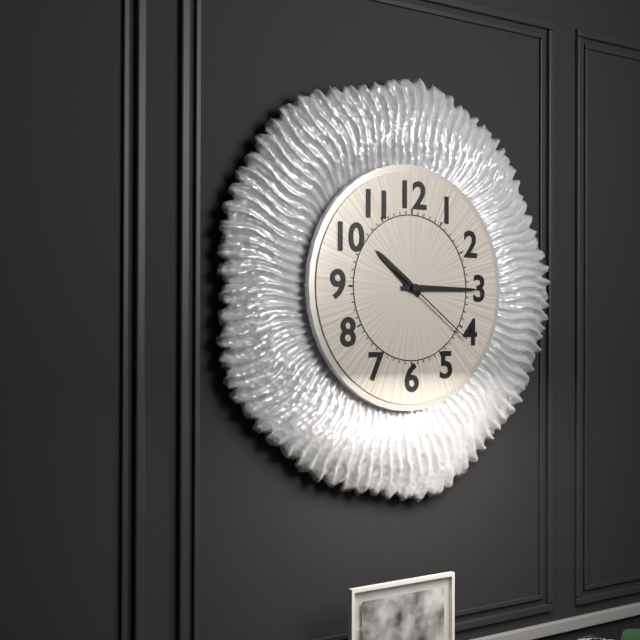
10:15:21
